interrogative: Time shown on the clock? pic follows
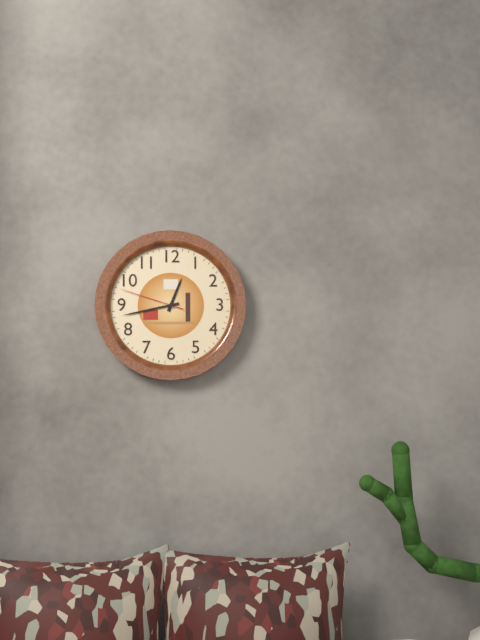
12:43:48
